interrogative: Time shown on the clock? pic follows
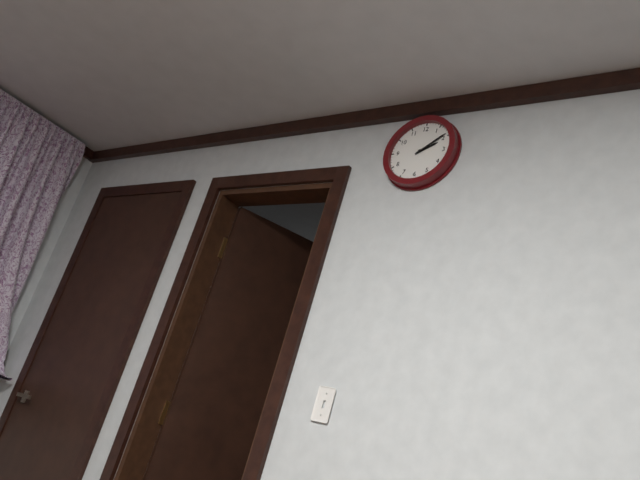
2:09
